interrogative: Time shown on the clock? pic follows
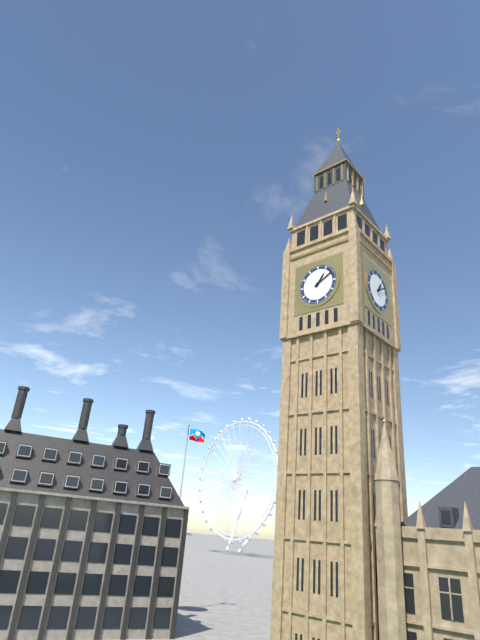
1:10
